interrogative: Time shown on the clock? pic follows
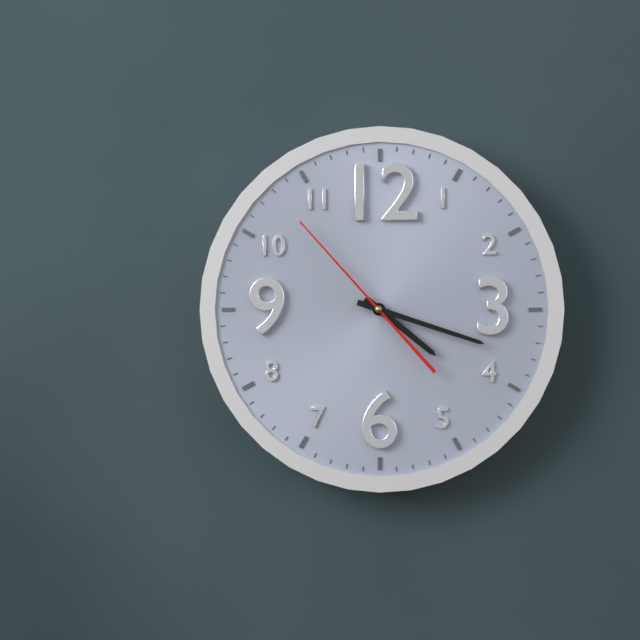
4:18:53
